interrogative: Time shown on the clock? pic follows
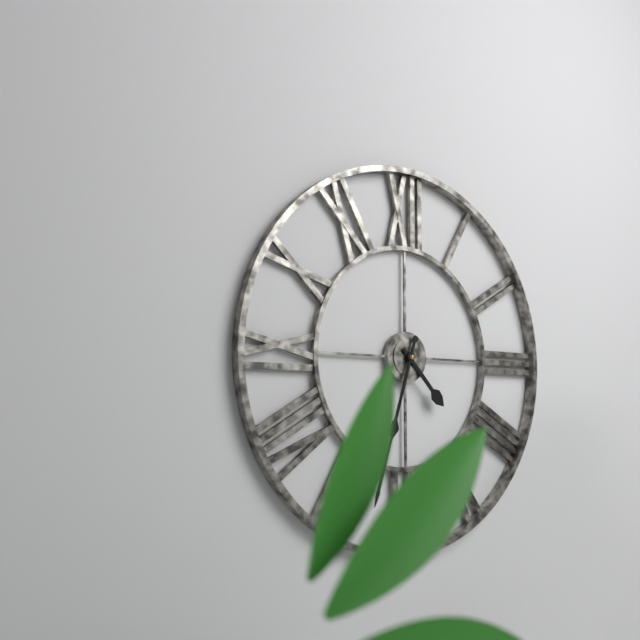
4:33
